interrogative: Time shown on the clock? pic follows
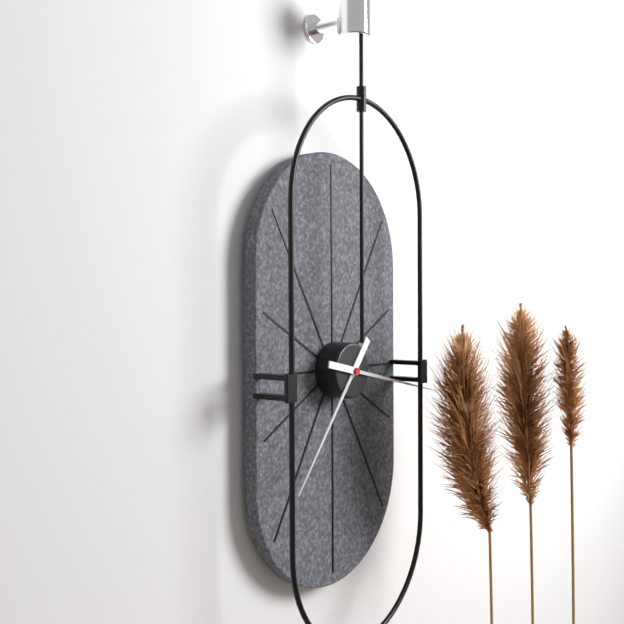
7:17
